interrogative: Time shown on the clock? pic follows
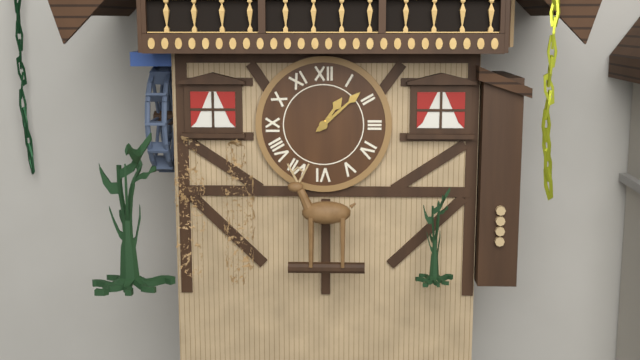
1:08
